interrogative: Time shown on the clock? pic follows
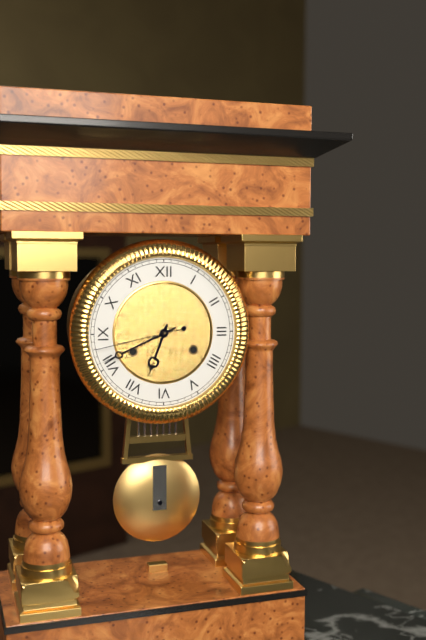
6:41:43
